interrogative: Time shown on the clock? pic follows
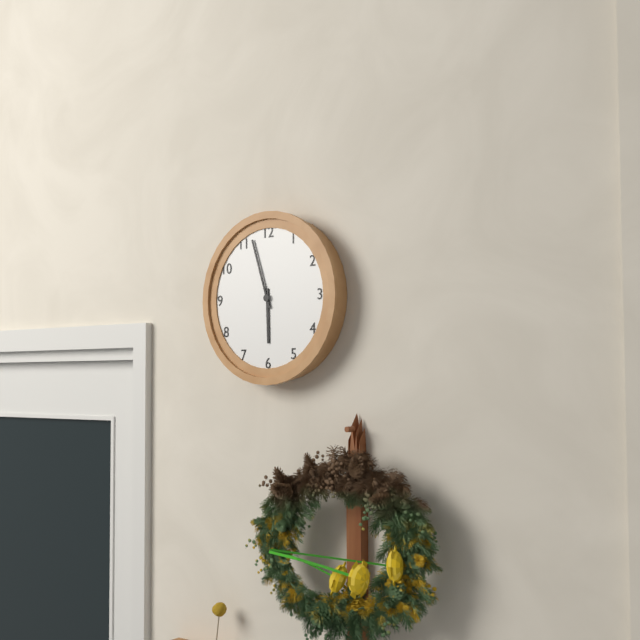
5:57
